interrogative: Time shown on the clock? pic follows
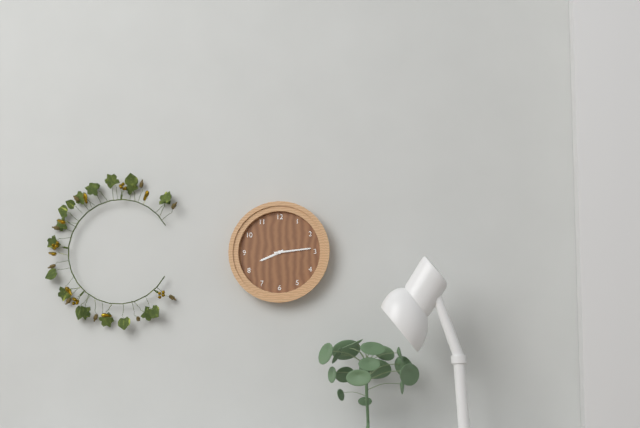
8:14
